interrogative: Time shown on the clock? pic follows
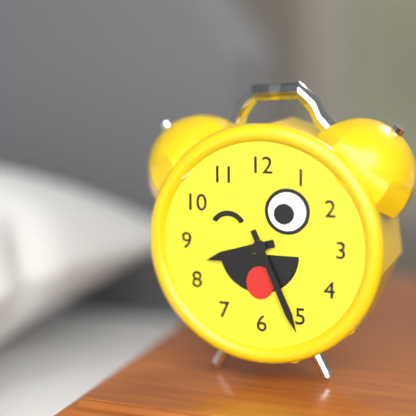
8:26
